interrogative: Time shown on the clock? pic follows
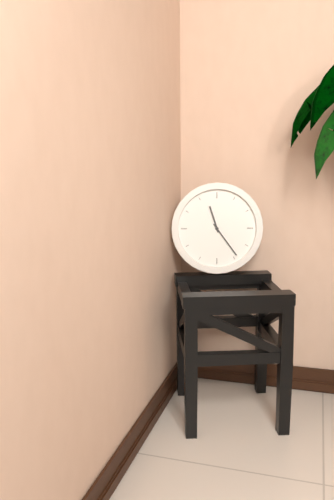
11:24
